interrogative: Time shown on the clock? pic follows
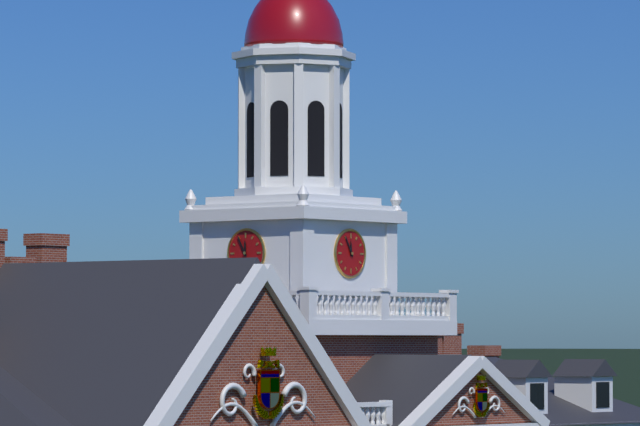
11:55
